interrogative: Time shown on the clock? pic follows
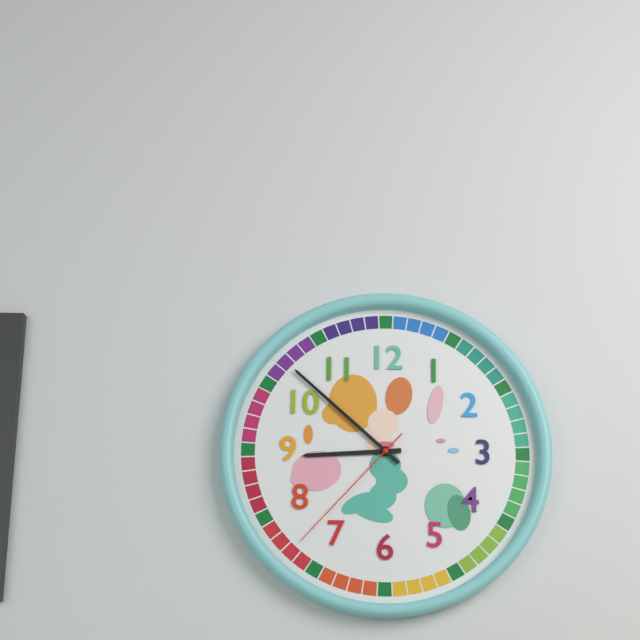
8:52:37
